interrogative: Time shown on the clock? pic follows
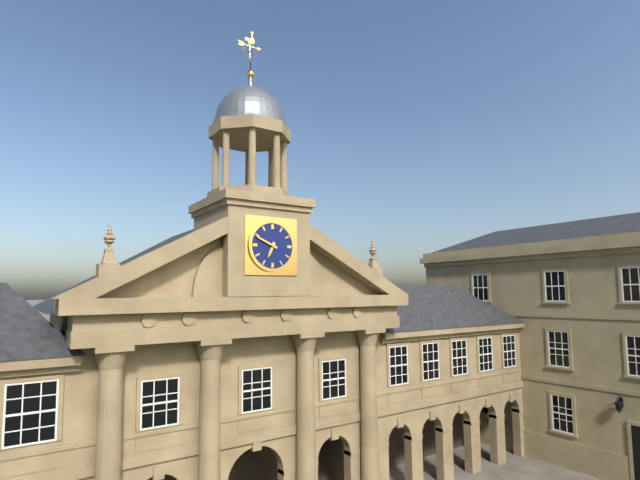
6:49
